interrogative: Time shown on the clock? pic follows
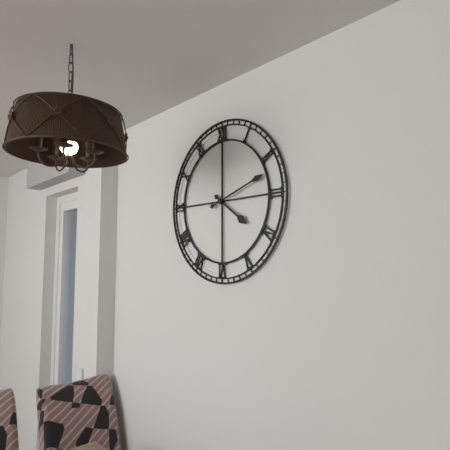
4:12
